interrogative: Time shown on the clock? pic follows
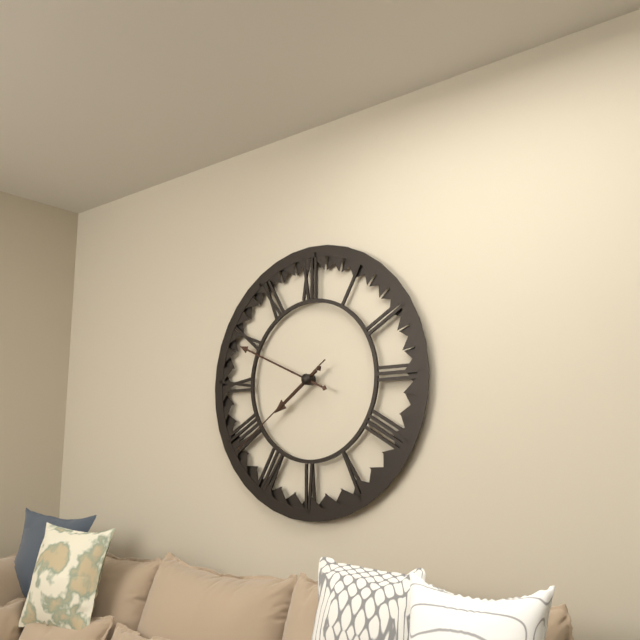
7:49:39
